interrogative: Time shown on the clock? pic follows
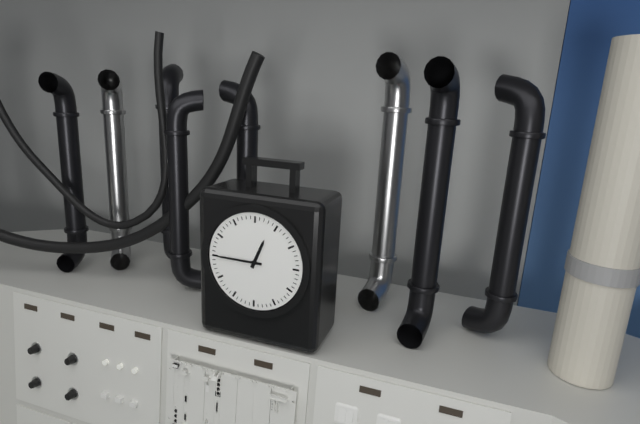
12:45
